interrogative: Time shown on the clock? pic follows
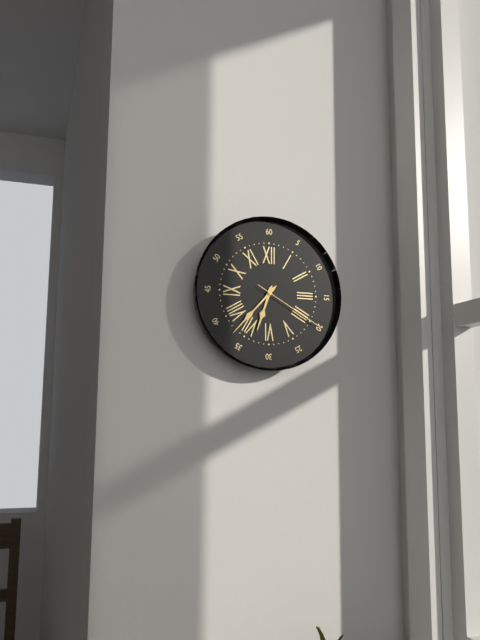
6:37:20
